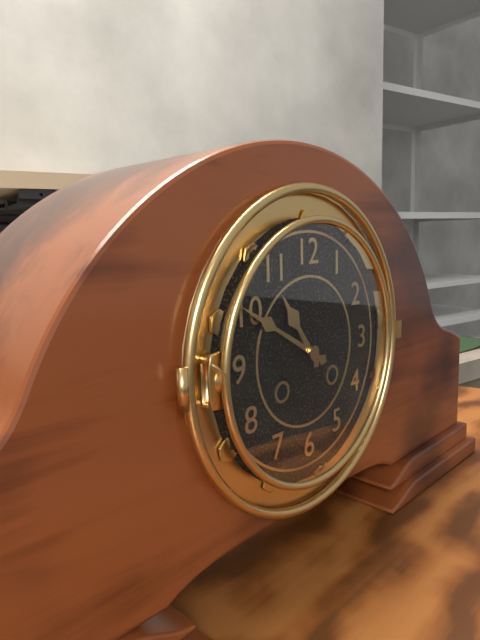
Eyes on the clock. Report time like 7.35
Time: 10.50
